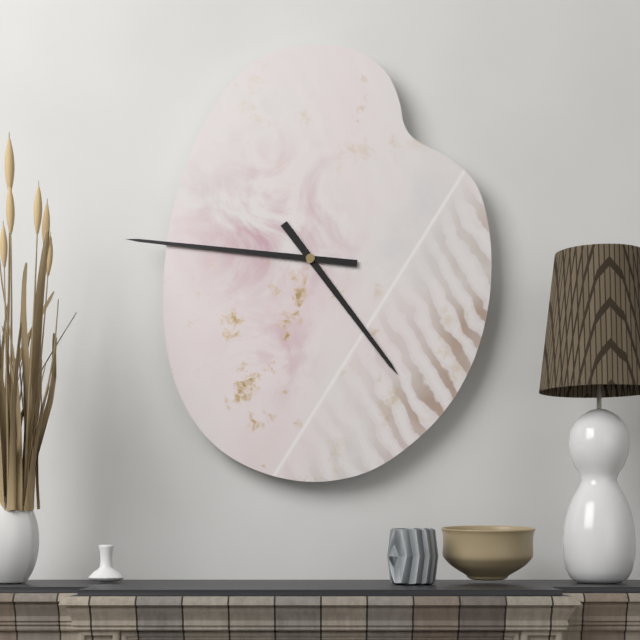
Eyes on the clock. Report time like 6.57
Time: 4.46
